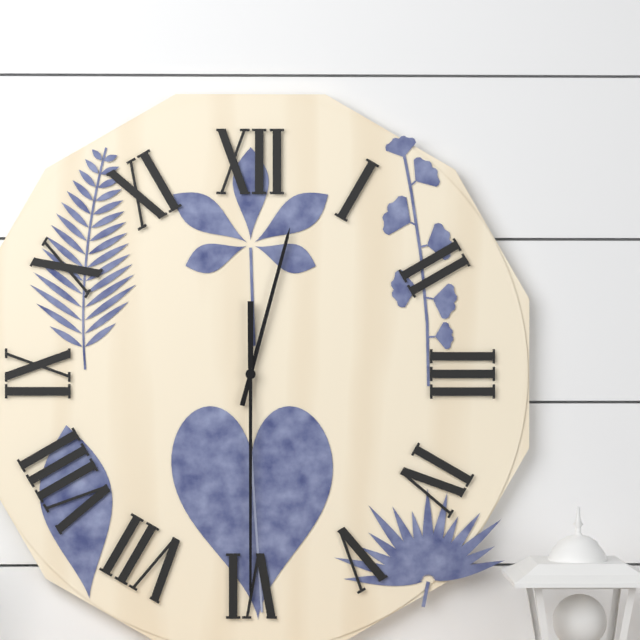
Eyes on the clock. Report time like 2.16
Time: 12.30
